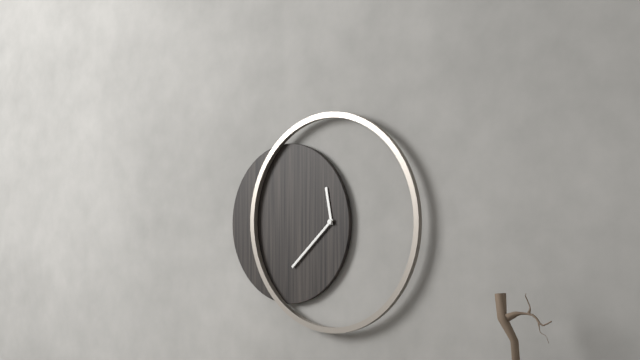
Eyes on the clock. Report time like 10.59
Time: 11.38
